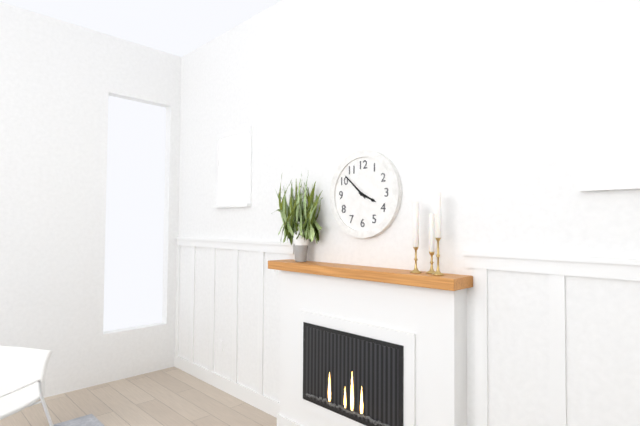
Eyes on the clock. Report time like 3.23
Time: 3.52
